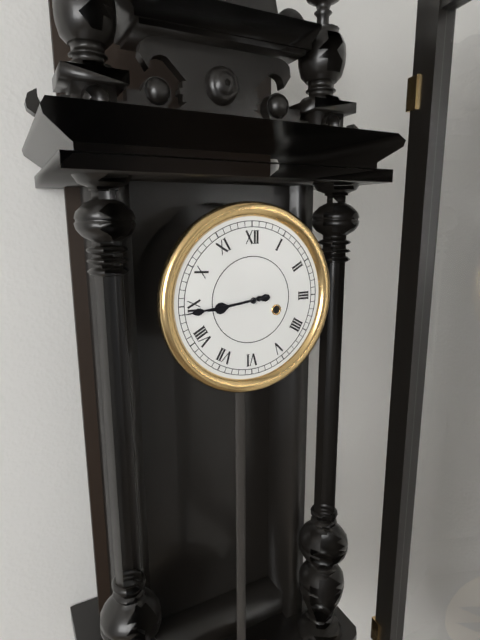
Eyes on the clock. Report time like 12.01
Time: 8.44
